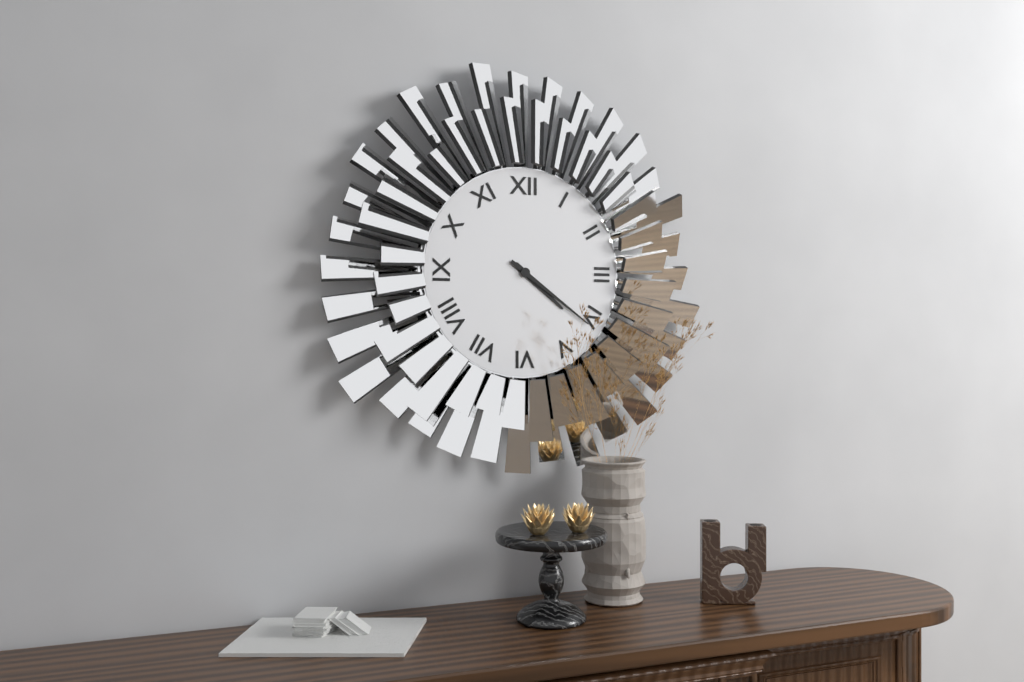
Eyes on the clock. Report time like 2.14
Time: 4.21
